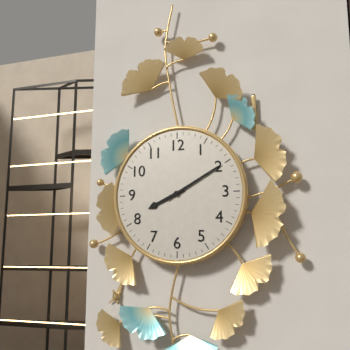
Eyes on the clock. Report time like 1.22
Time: 8.10
